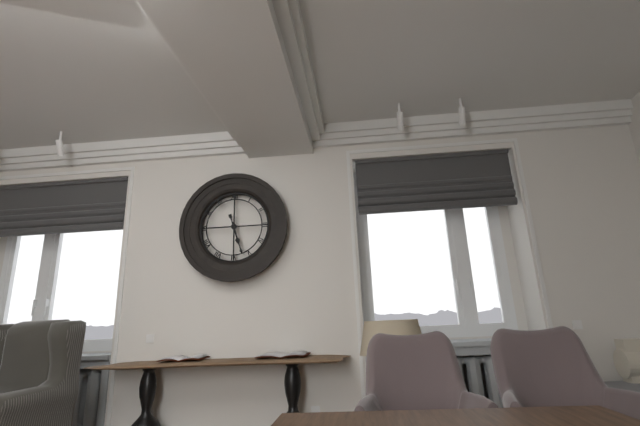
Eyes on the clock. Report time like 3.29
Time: 5.27
